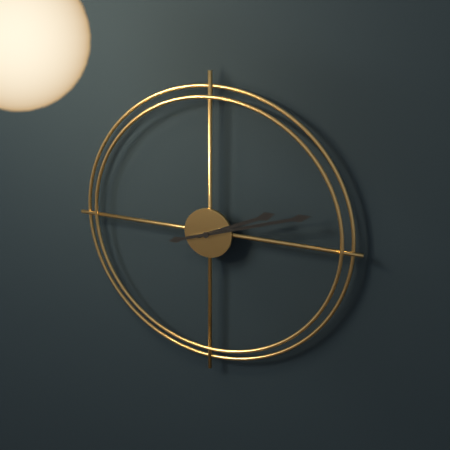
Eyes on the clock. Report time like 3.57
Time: 2.12
